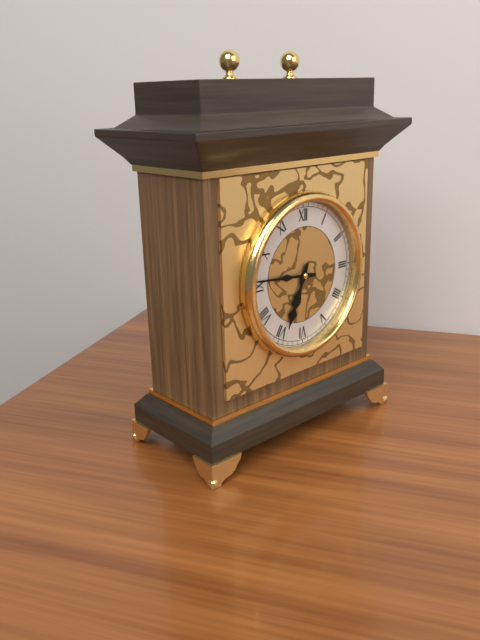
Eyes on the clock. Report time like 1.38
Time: 6.46
